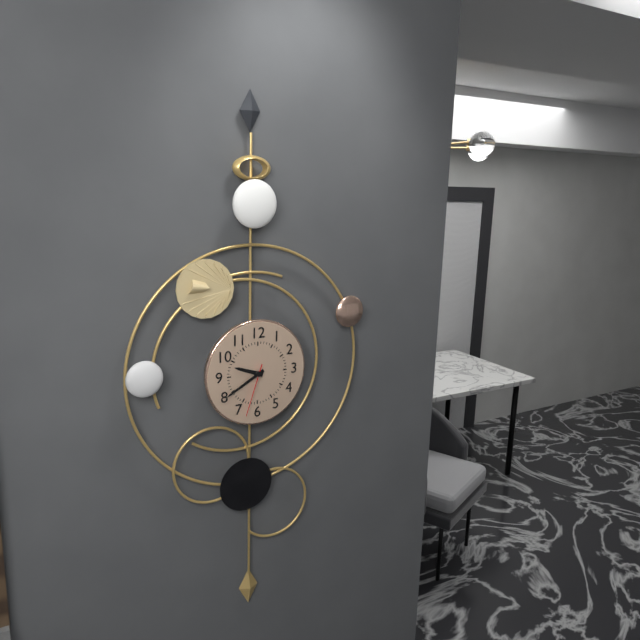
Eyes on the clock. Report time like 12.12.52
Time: 9.40.33
